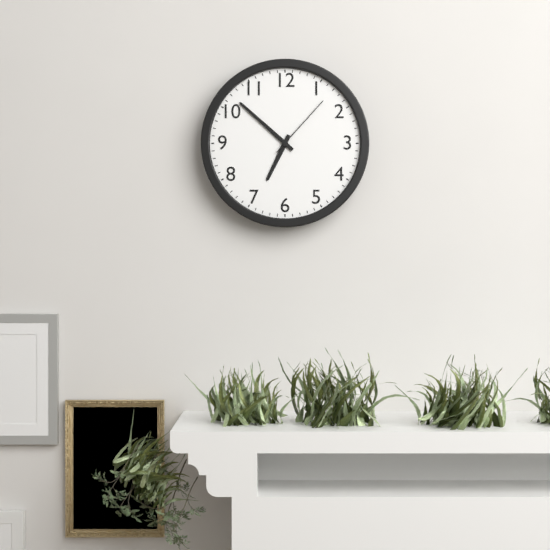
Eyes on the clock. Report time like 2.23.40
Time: 6.52.07
